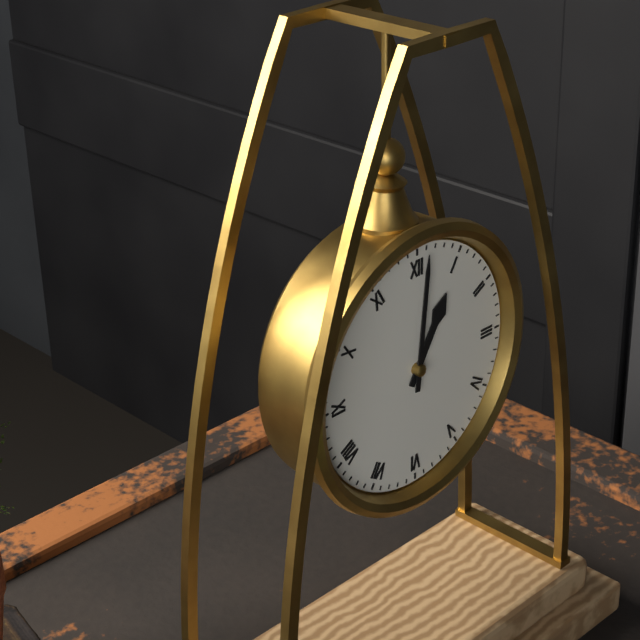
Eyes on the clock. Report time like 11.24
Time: 1.01
